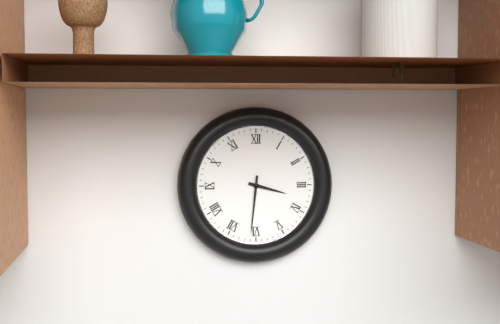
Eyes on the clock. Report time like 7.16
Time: 3.31
